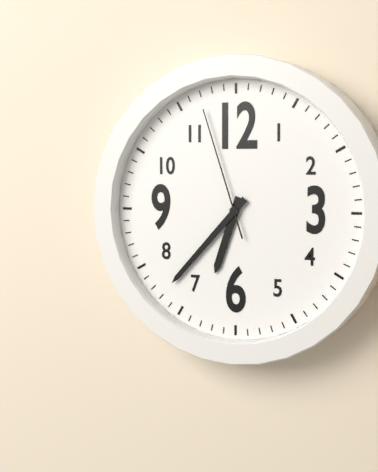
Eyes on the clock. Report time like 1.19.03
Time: 6.37.57
